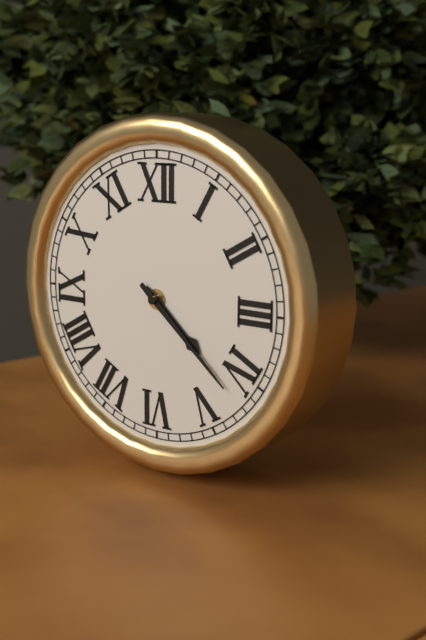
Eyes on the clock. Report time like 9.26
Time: 4.22
